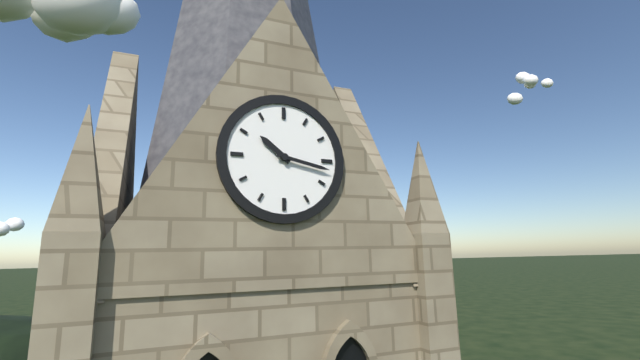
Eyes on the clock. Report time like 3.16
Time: 10.17
